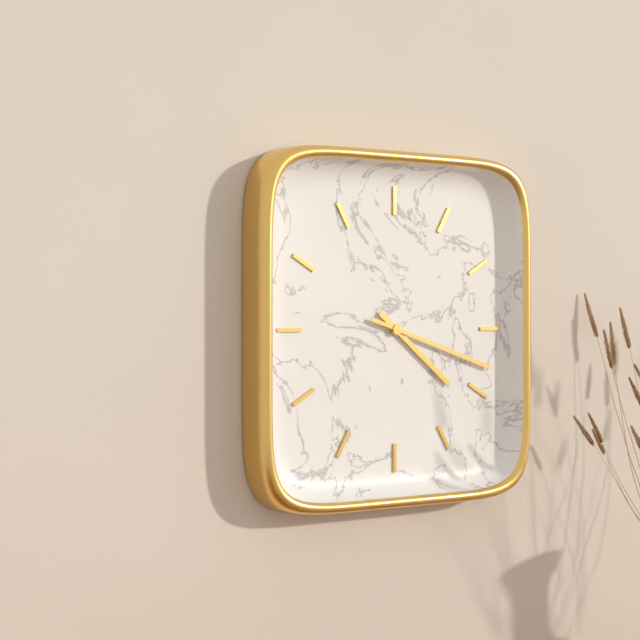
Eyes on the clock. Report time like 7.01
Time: 4.18
